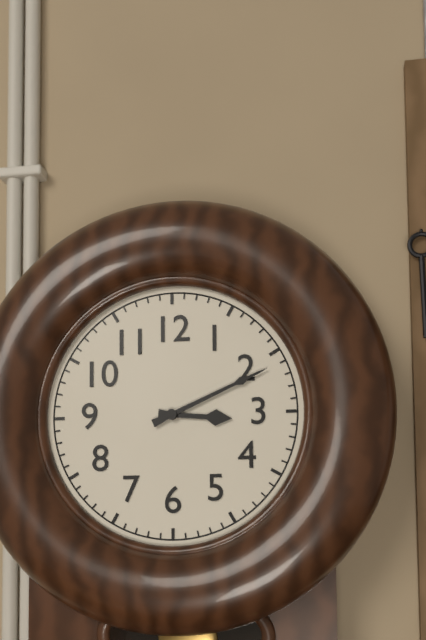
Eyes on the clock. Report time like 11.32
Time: 3.11
